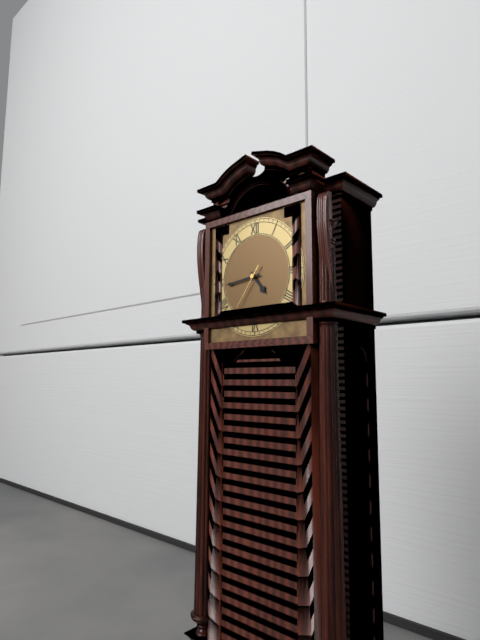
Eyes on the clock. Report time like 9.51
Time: 4.44
